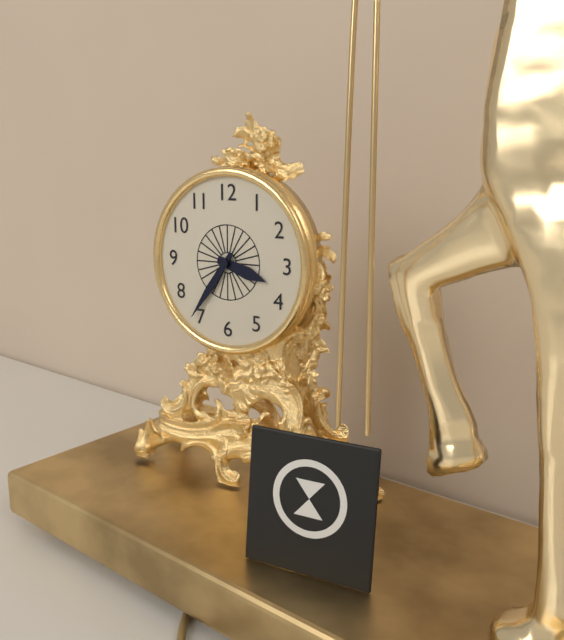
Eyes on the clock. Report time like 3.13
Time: 3.36
